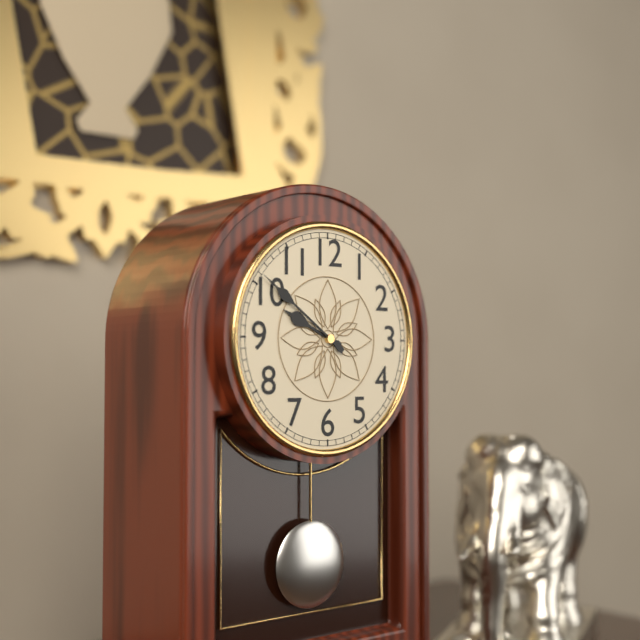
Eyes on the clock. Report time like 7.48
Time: 9.51
